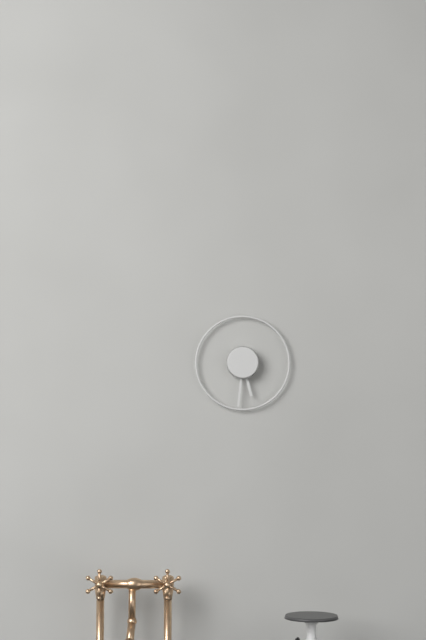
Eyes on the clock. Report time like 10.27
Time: 5.31
